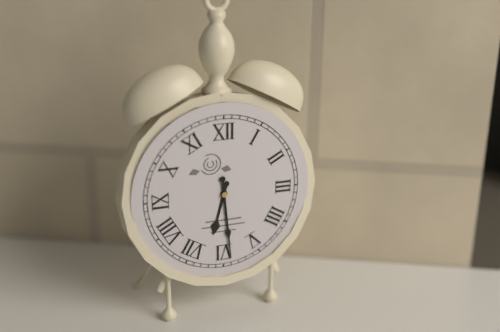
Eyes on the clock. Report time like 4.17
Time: 6.29
